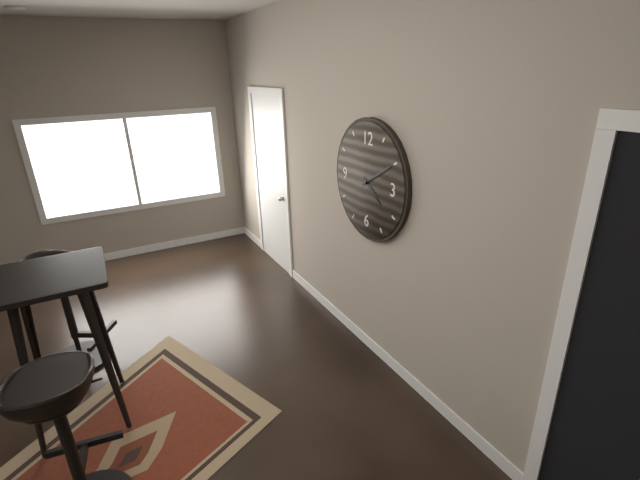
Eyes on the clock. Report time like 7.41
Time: 4.10
